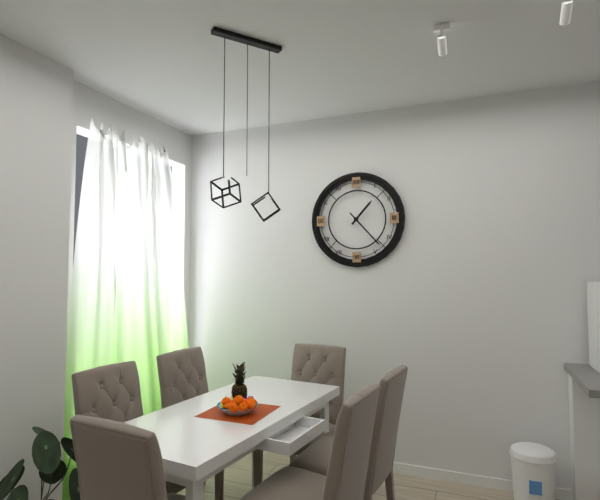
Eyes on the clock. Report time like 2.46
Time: 1.23
